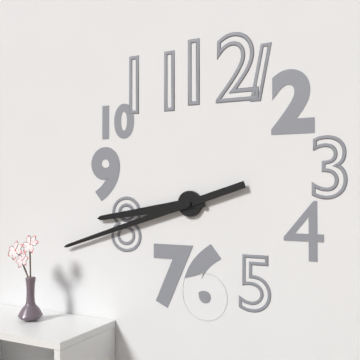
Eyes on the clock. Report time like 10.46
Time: 8.42
